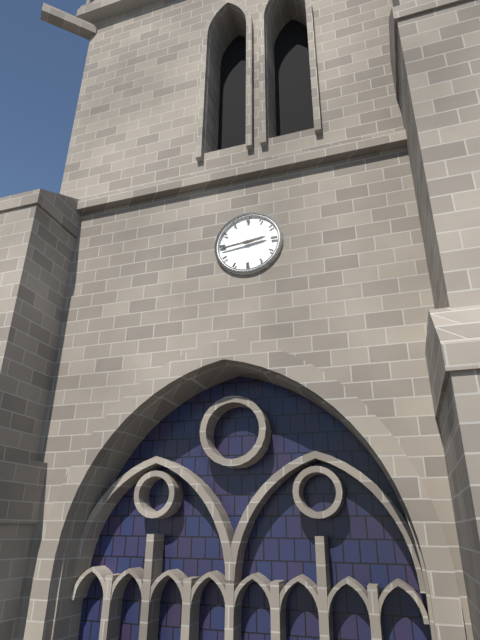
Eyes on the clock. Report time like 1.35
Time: 2.44
